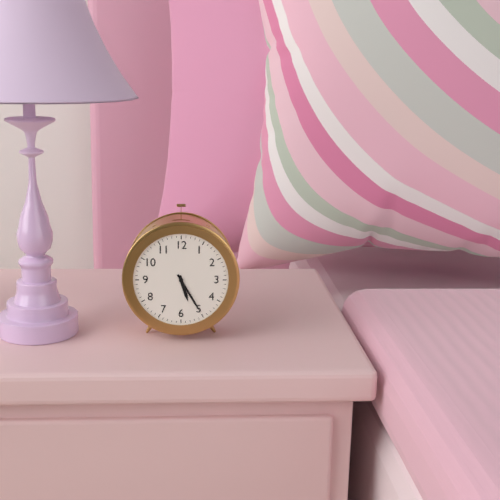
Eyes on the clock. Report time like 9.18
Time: 5.25
